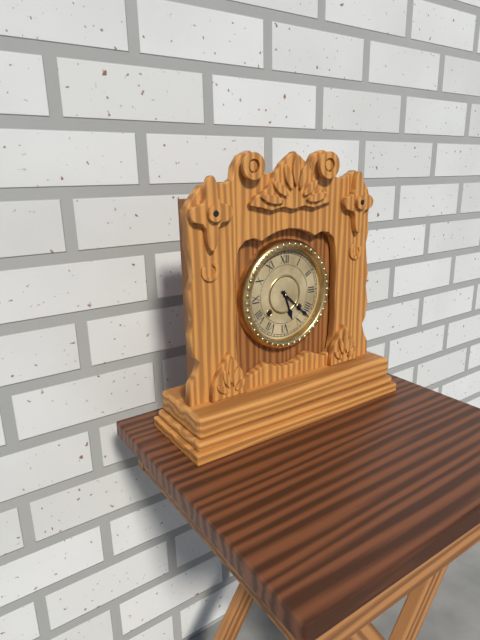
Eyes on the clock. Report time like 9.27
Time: 5.22
